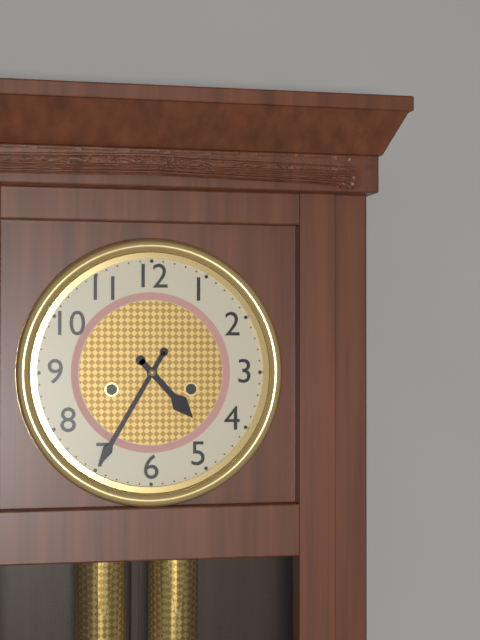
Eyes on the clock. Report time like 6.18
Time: 4.35
